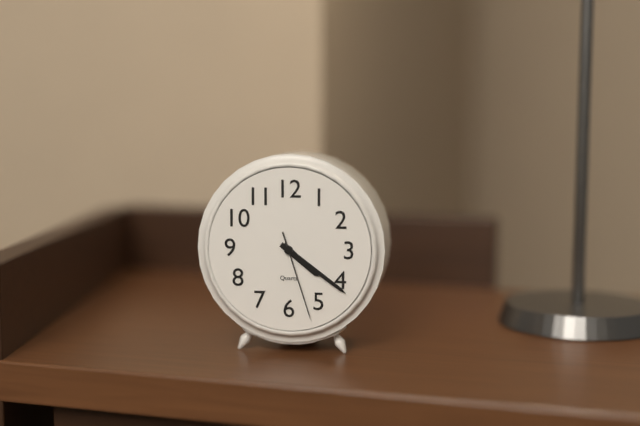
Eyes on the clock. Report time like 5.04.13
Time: 4.21.27
